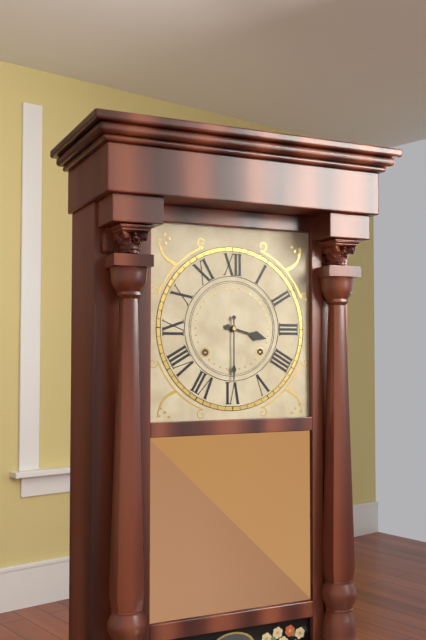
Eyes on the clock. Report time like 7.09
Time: 3.30
